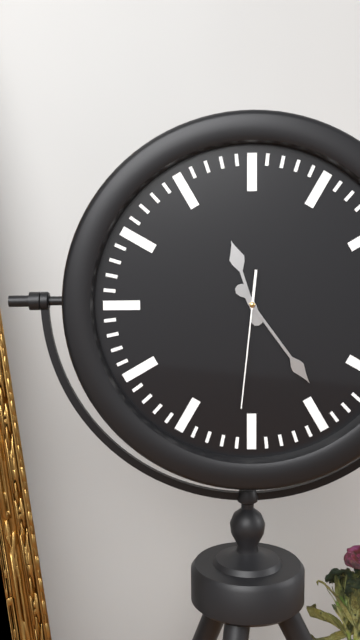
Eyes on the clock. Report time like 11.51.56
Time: 11.24.31
